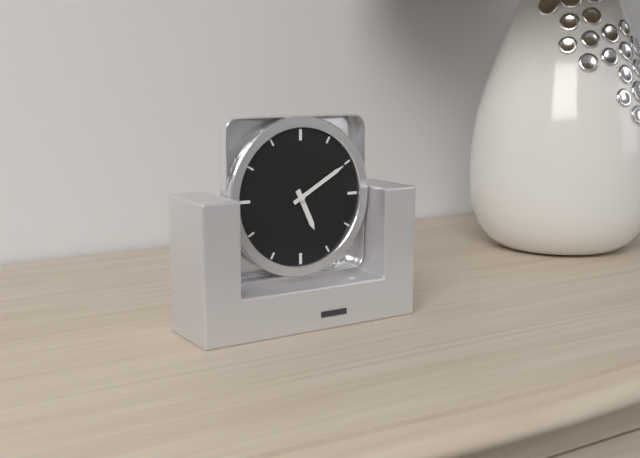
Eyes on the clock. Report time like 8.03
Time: 5.10
